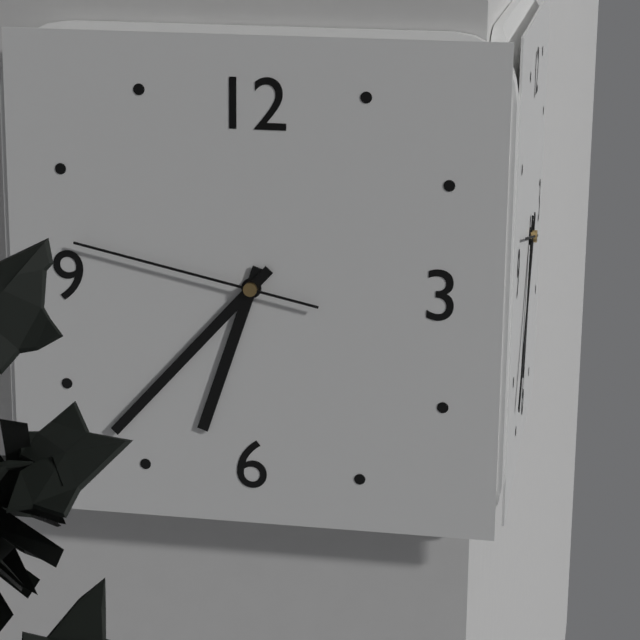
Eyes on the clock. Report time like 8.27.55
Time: 6.37.47
